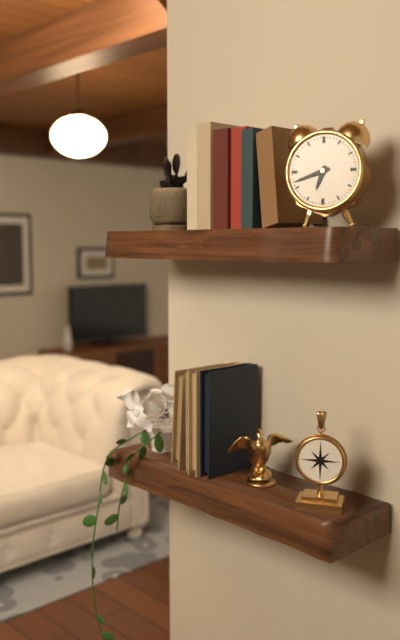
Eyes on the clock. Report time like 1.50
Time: 6.42
